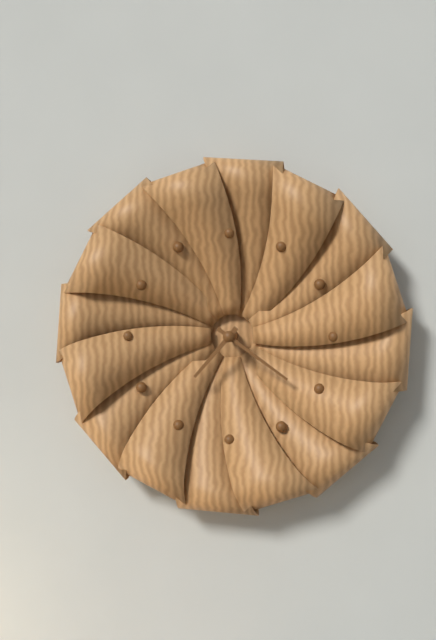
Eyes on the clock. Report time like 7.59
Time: 7.21
